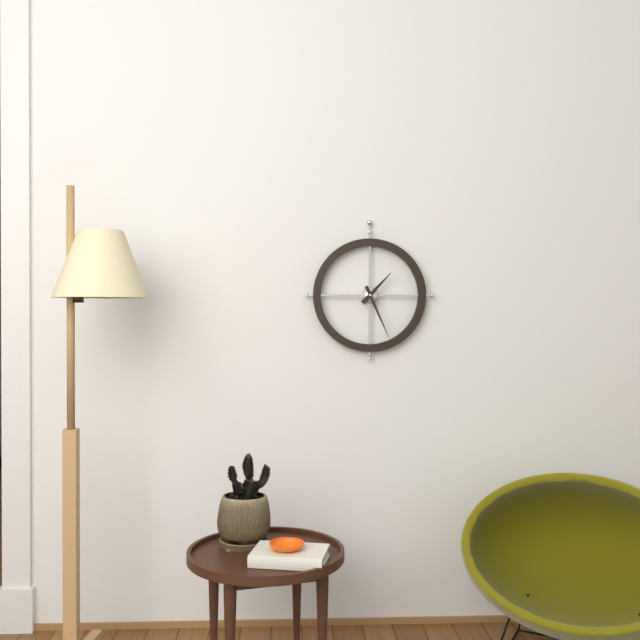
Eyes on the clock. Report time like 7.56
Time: 1.26
